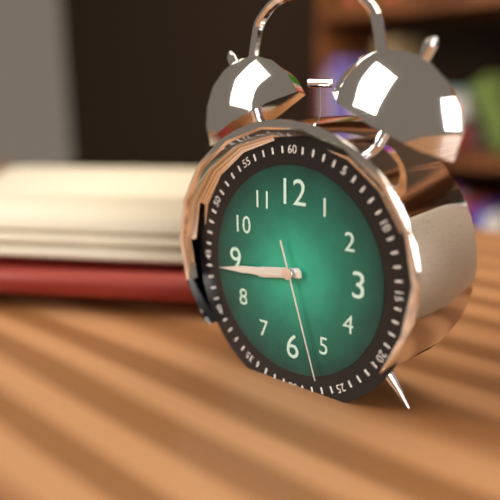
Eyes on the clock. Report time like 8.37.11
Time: 8.44.27
